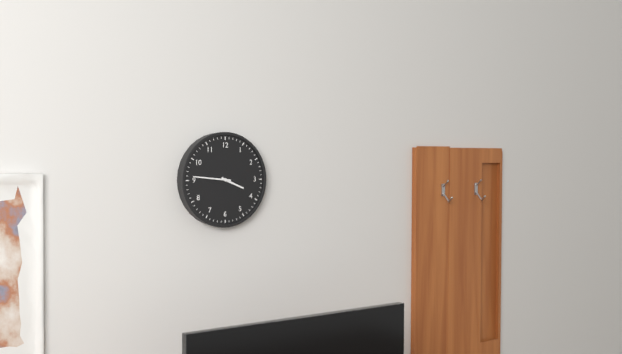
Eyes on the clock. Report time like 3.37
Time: 3.46
